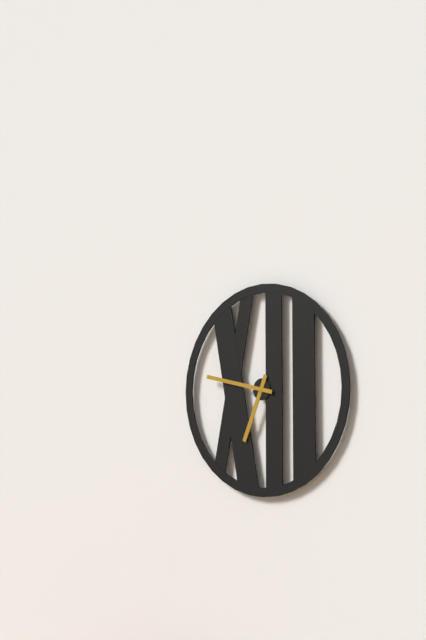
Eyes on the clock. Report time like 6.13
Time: 6.47
